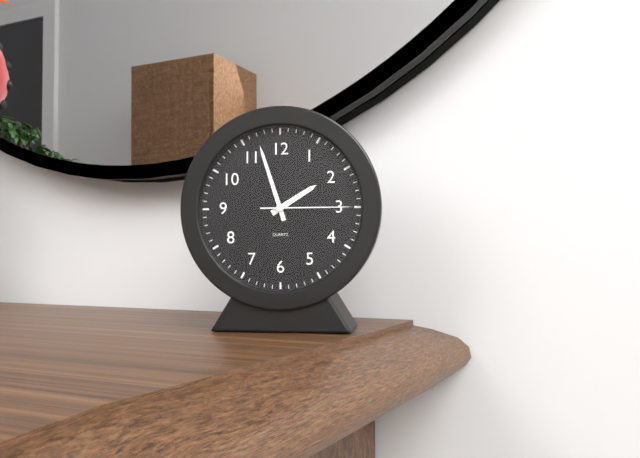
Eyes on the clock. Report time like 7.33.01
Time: 1.57.15
